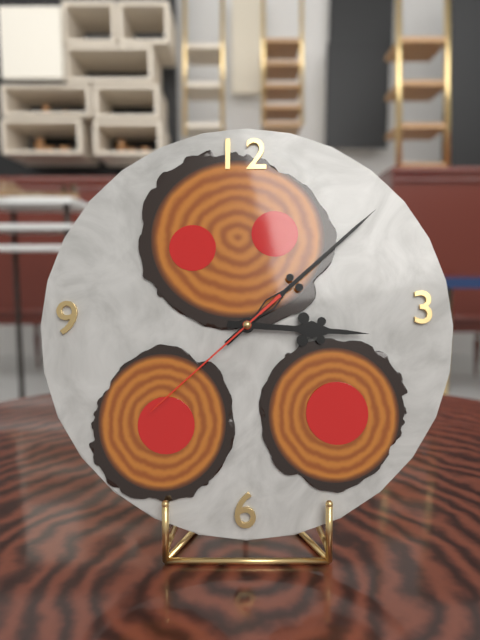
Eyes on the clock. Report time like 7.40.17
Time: 3.08.38
